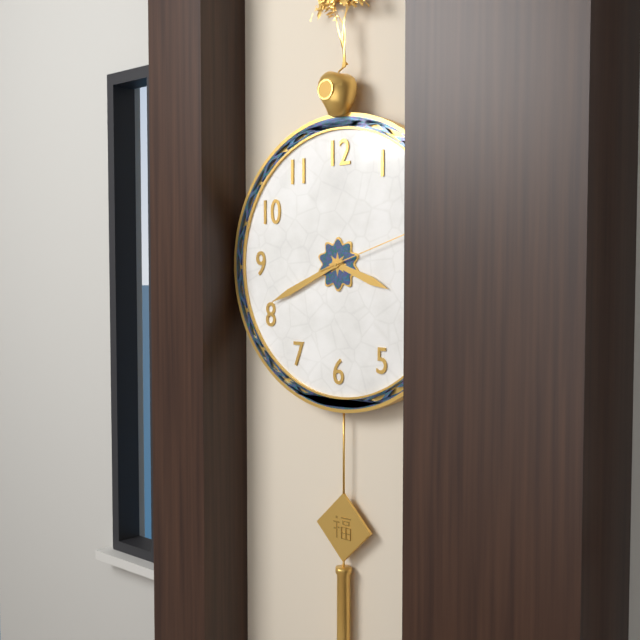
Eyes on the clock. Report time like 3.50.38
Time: 3.41.12
